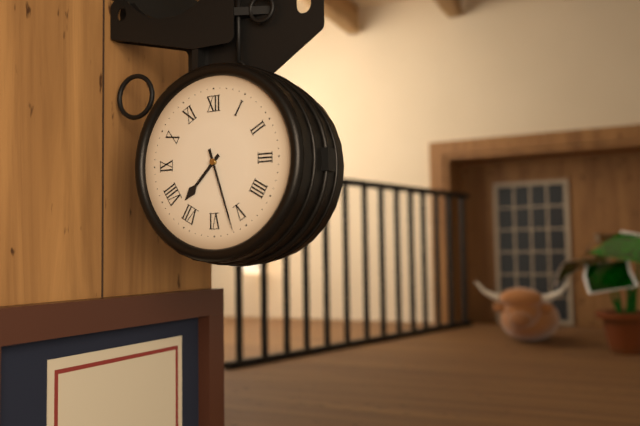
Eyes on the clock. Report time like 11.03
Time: 7.27
